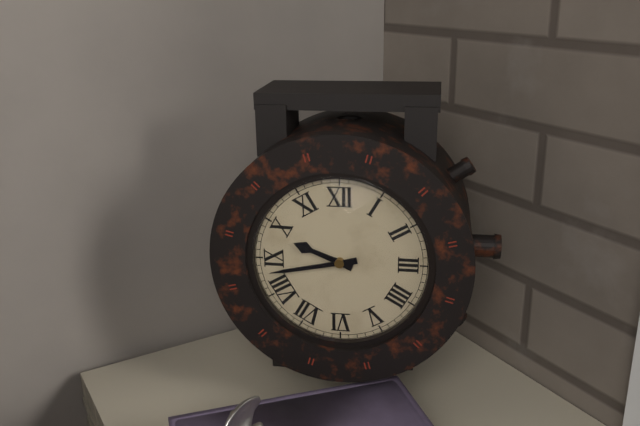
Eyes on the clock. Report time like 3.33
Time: 9.43
